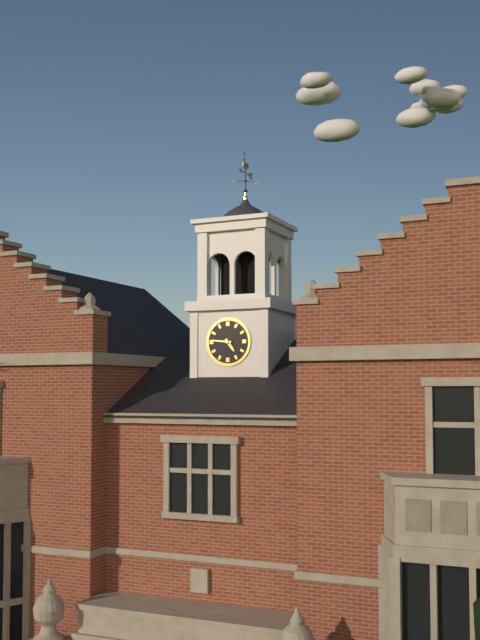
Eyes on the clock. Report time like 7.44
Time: 4.46
